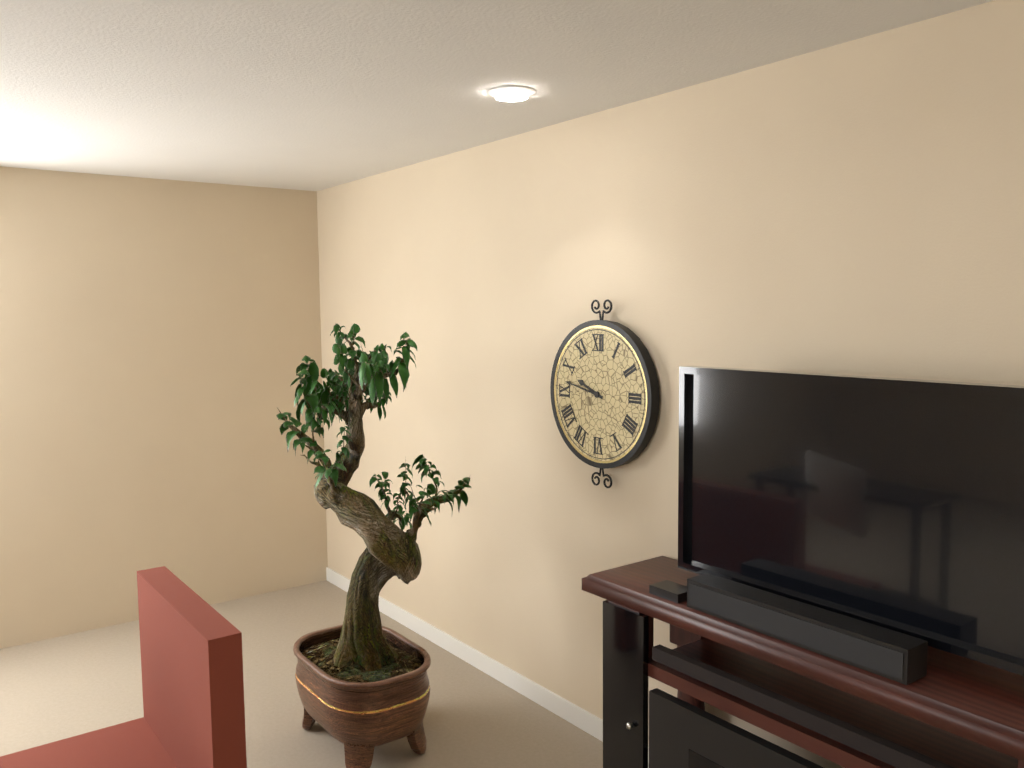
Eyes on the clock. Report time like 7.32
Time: 9.47
